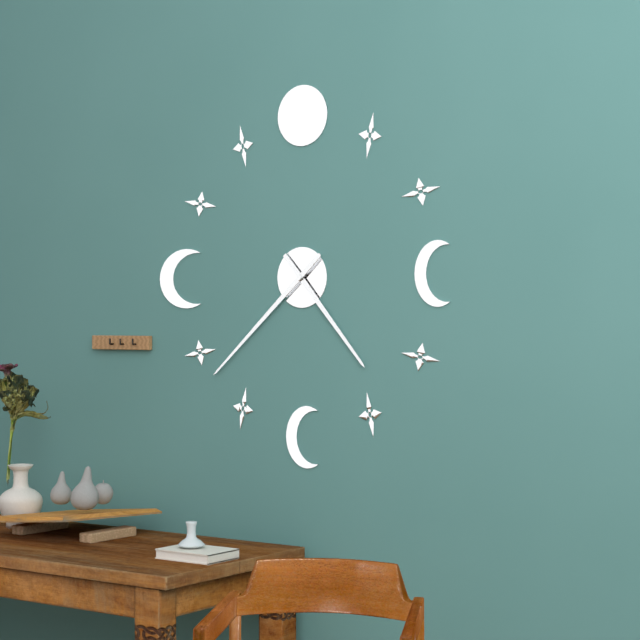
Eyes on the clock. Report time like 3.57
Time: 4.38
